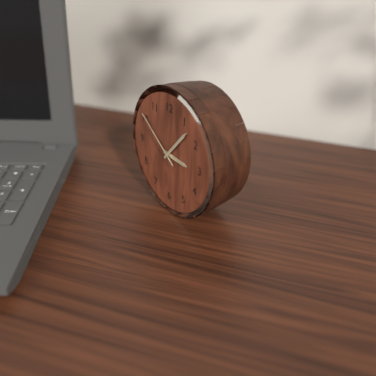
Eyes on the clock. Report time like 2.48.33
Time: 3.07.51
